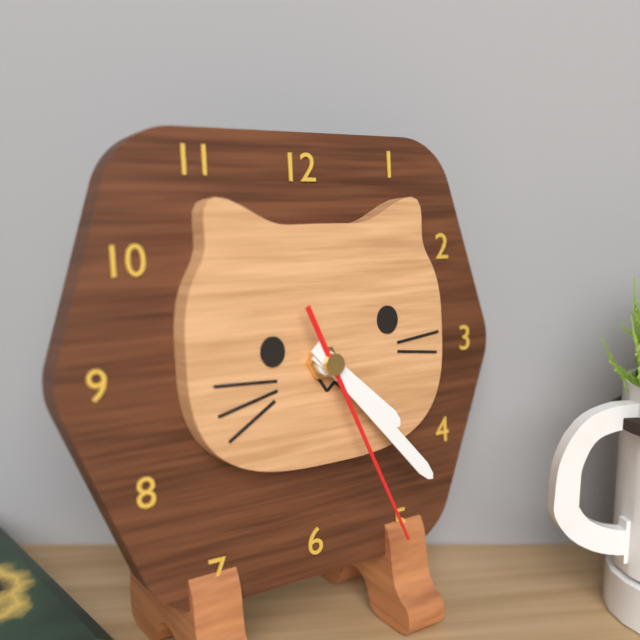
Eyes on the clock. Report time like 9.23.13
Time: 4.23.26
